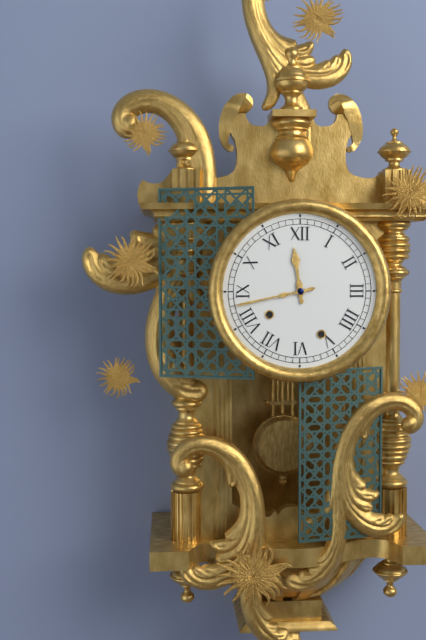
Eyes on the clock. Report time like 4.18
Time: 11.43
